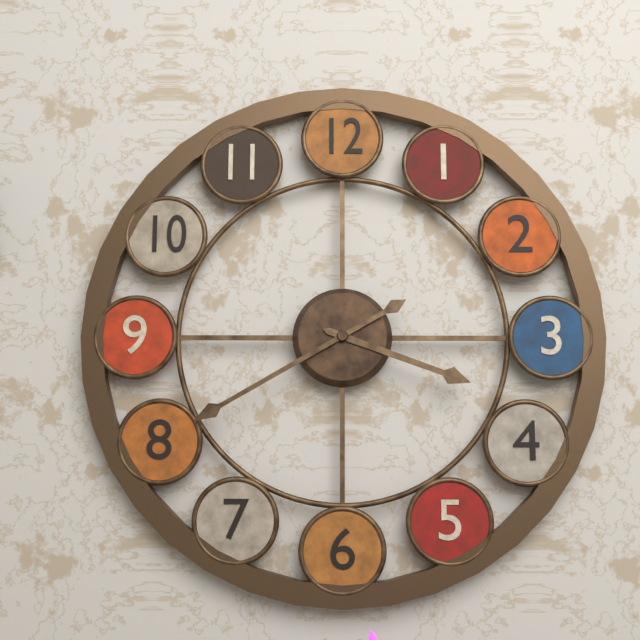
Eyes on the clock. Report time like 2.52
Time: 3.40
